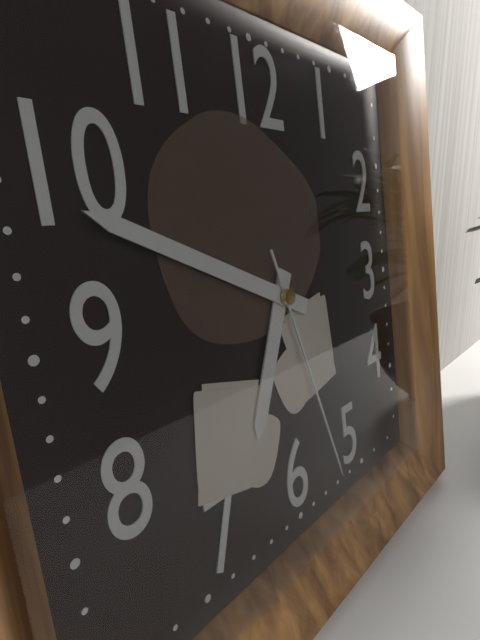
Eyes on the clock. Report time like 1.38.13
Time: 6.49.27
